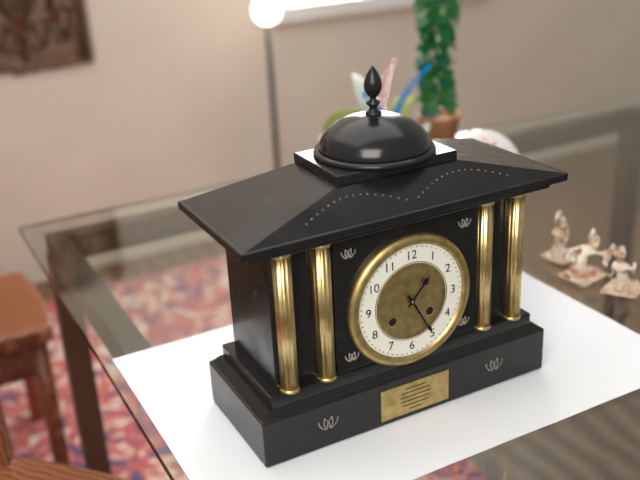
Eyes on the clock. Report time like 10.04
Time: 1.25
